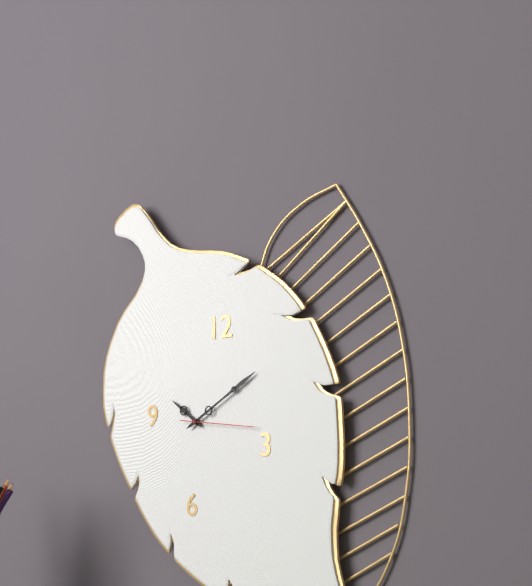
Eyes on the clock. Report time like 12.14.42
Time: 10.10.16
